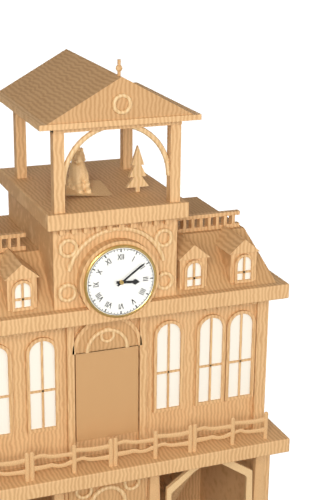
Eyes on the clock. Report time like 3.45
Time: 3.09
